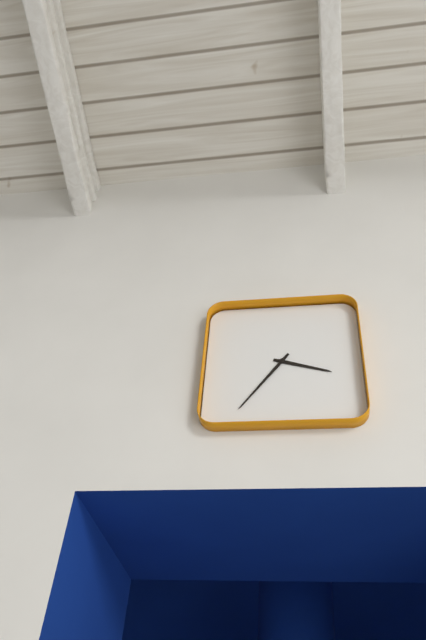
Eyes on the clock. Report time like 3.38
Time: 3.36
